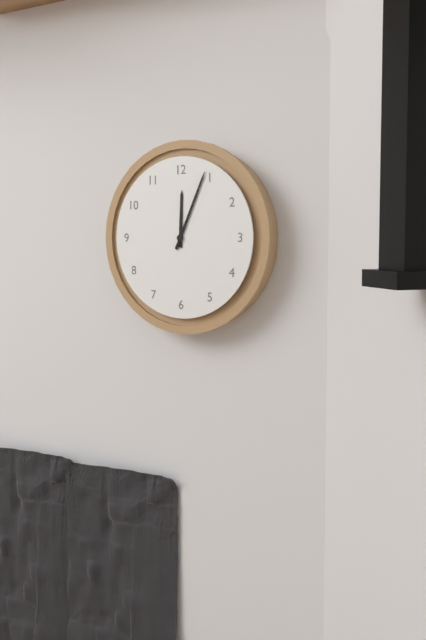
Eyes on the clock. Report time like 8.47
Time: 12.04
